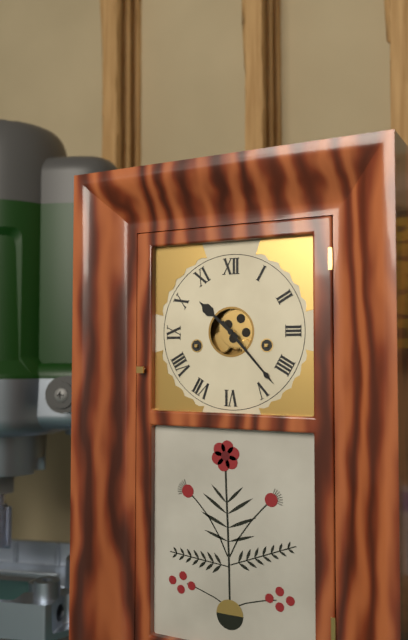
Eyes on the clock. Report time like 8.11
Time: 10.23
